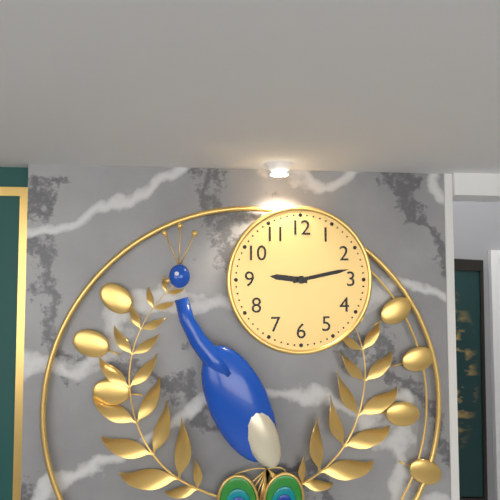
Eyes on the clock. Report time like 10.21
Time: 9.13
